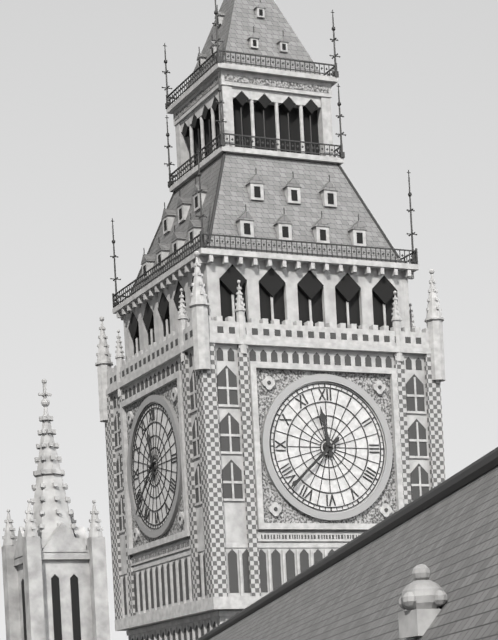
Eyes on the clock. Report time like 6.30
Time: 11.38
